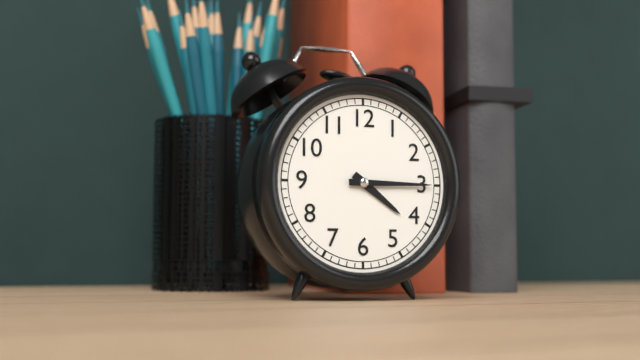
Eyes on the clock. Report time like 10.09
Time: 4.15
